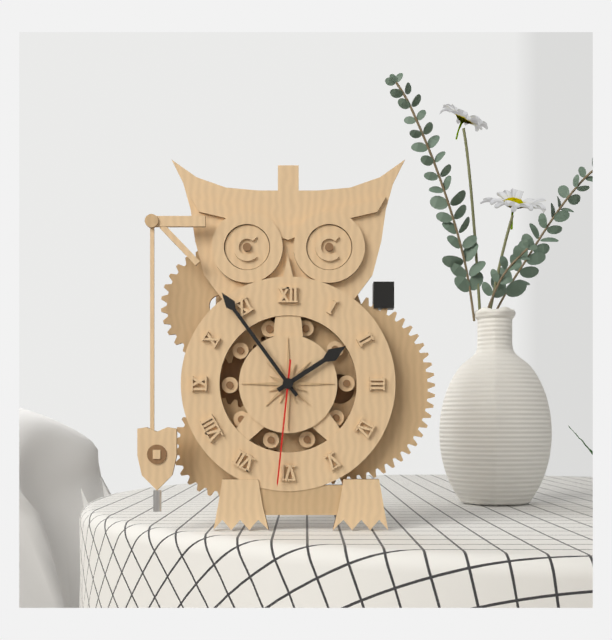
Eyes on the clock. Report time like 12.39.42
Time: 1.54.31
